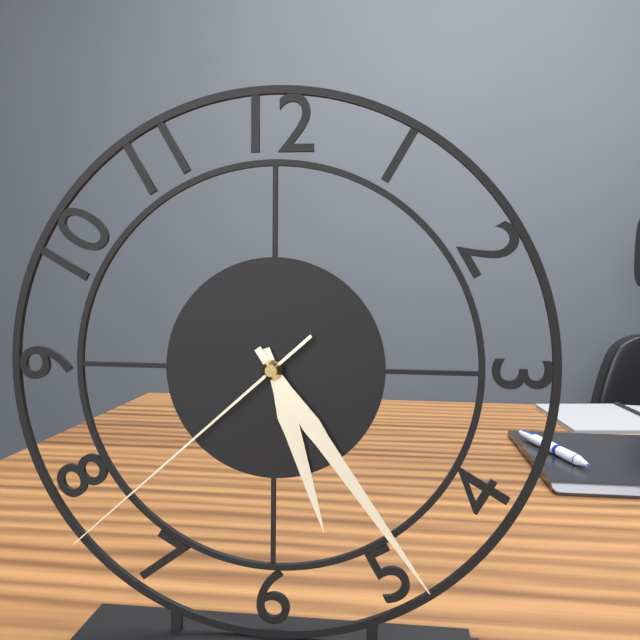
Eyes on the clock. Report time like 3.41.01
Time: 5.24.38
